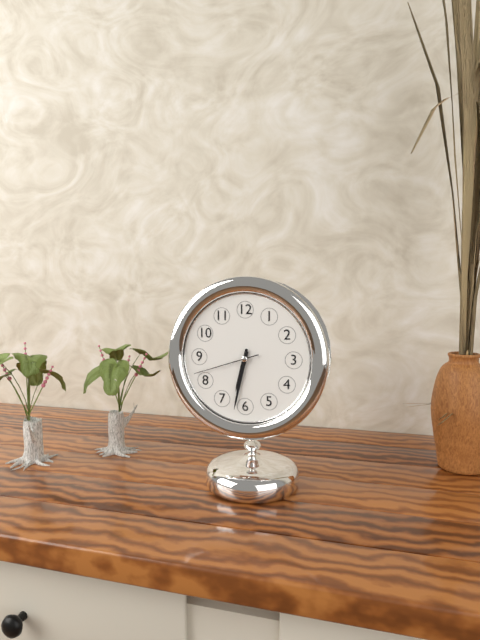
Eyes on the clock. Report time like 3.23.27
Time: 6.32.42
